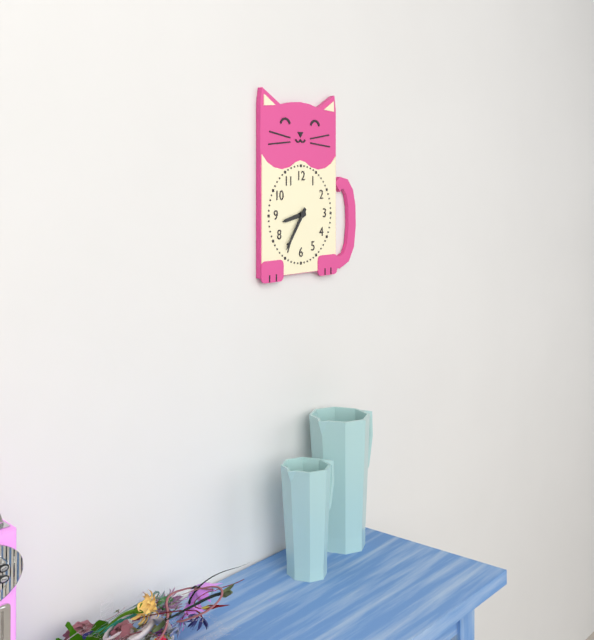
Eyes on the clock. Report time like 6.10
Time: 8.36
